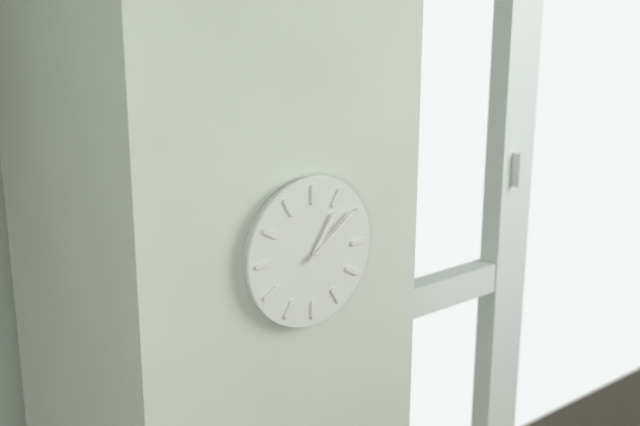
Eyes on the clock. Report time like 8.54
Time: 1.09
